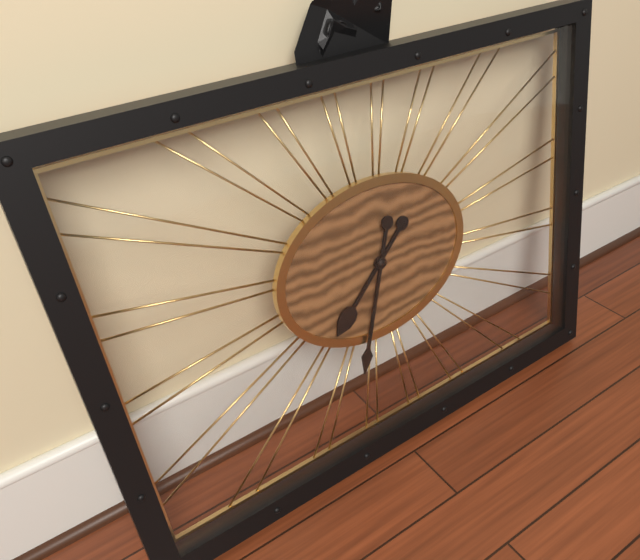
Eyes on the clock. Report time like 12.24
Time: 7.33
